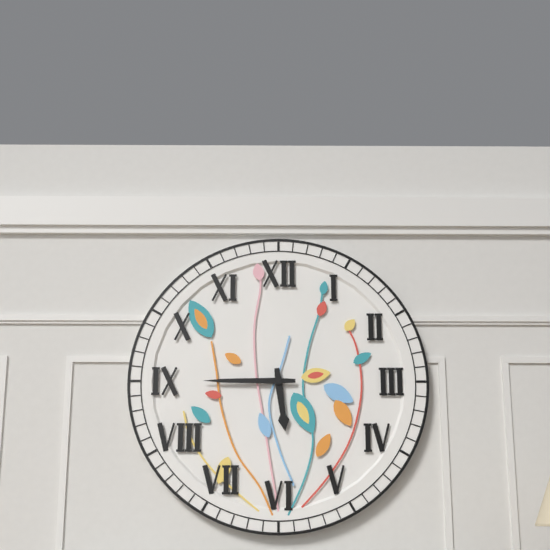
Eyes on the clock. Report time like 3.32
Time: 5.45
